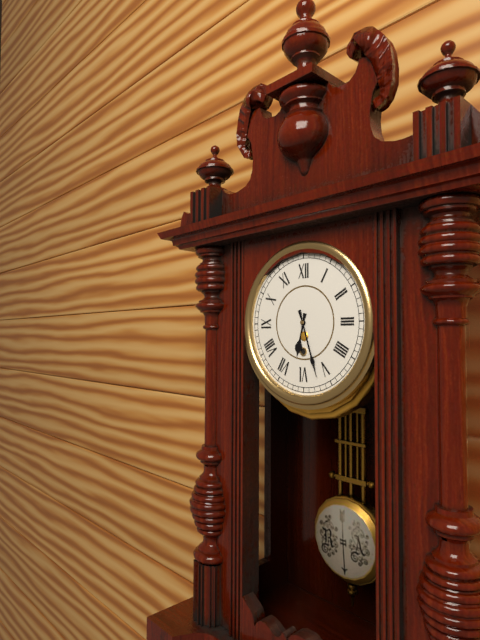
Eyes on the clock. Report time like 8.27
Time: 6.27
